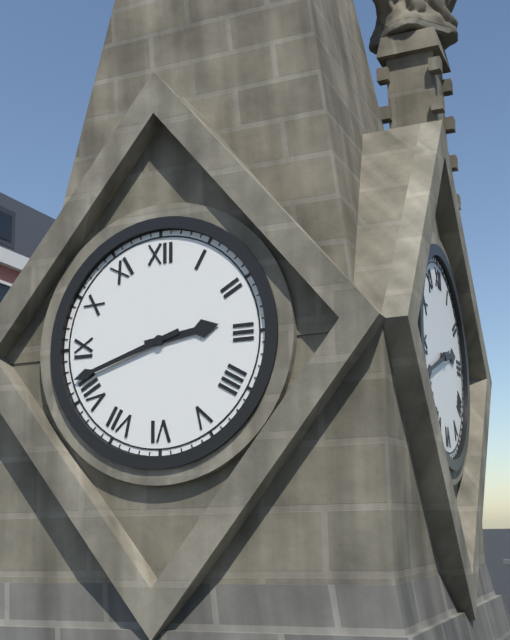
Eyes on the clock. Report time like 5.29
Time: 2.42
